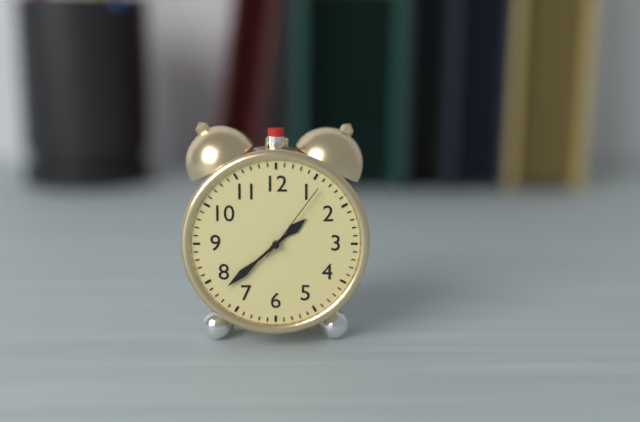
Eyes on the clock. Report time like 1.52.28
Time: 1.38.06
